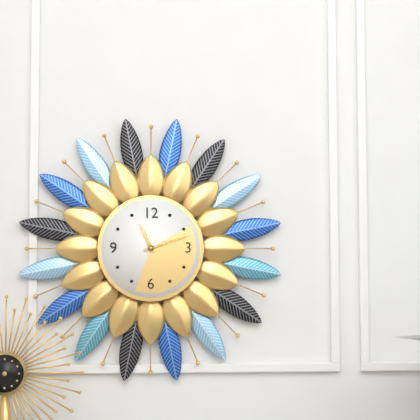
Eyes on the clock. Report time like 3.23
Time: 11.12
